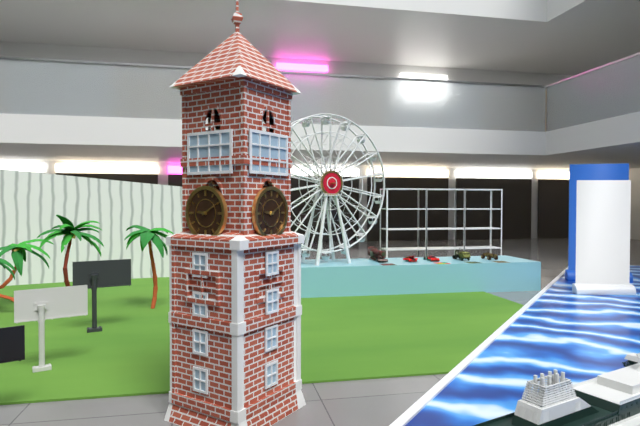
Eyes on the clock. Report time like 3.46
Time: 9.10
